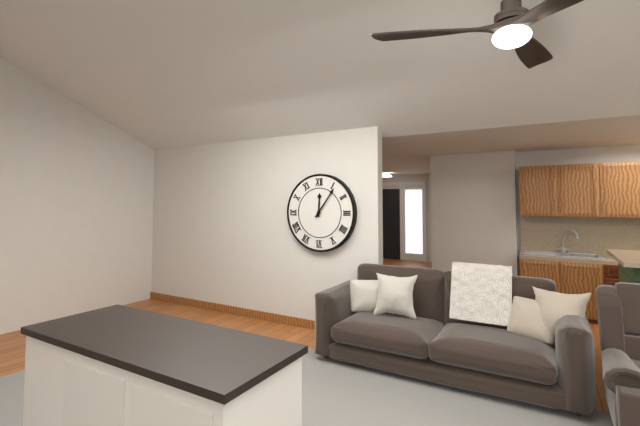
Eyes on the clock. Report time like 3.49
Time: 12.06
